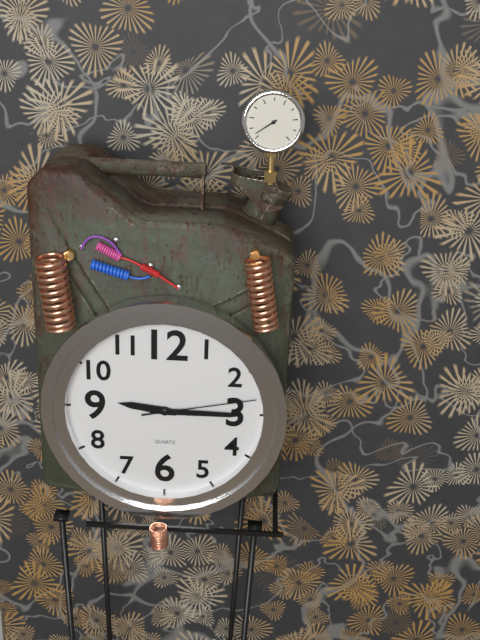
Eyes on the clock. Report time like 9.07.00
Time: 9.15.13
